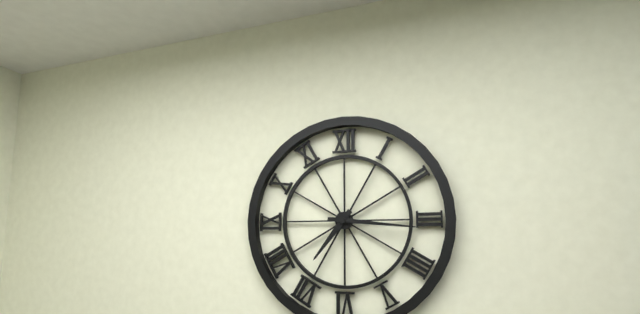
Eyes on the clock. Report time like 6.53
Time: 7.16
